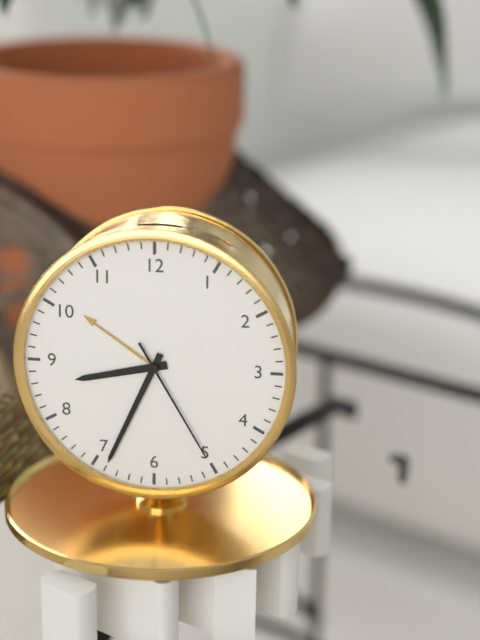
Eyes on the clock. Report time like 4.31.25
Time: 8.34.25
